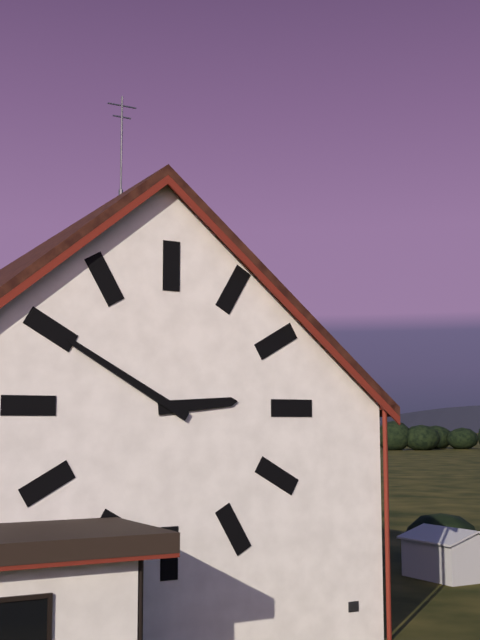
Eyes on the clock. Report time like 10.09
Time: 2.50
